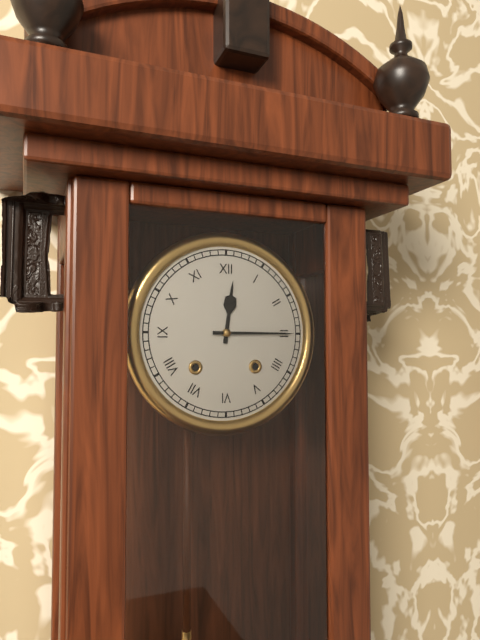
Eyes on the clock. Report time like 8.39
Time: 12.15
